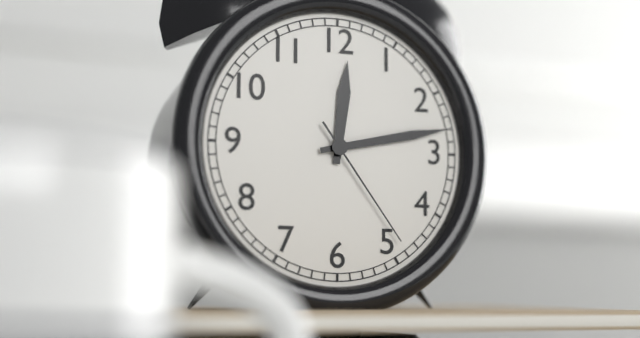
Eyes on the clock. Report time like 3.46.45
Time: 12.13.24
